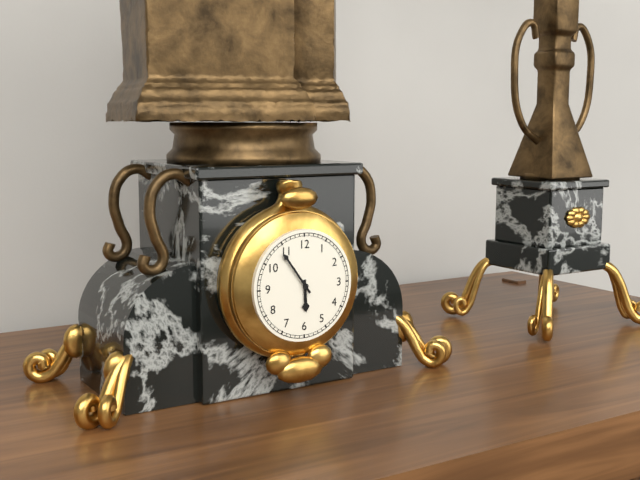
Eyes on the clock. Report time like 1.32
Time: 5.54
